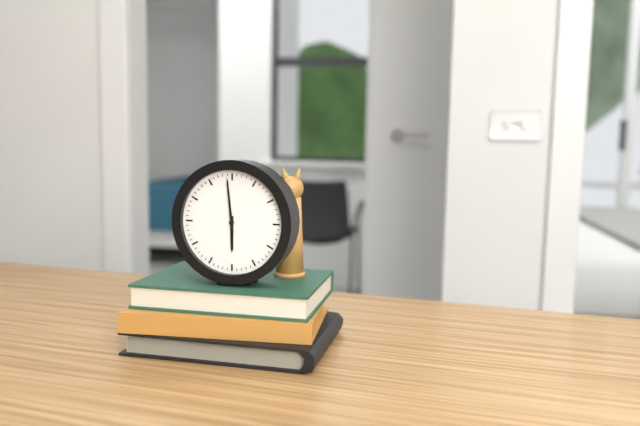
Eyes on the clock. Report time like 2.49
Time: 5.59
